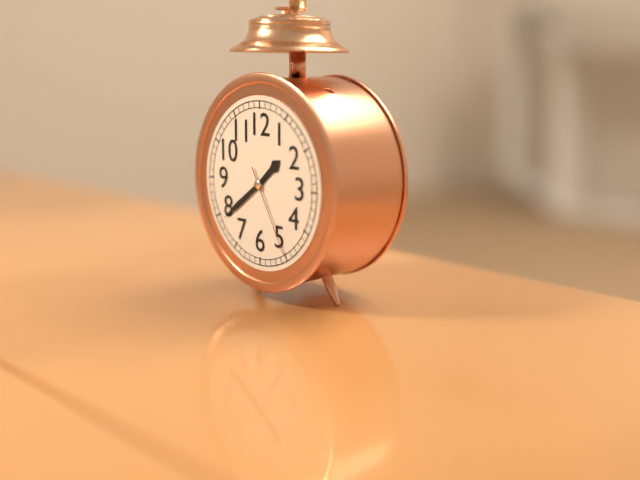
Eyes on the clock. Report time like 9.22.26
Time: 1.39.25
